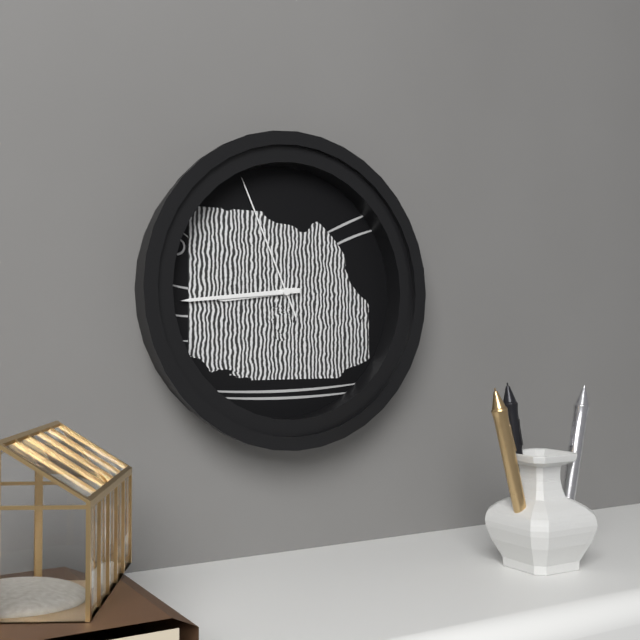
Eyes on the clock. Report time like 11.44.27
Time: 8.44.56
